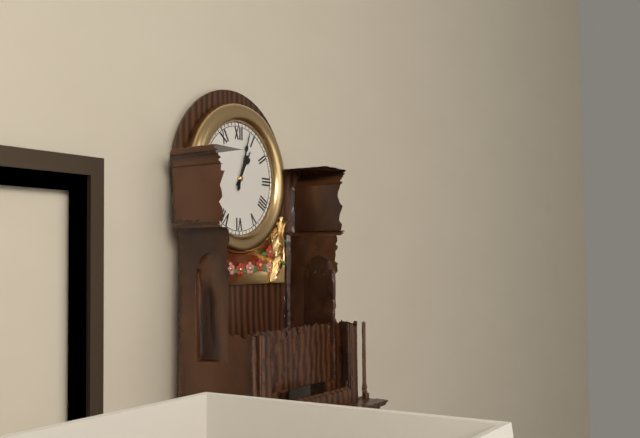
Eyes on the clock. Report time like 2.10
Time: 1.03
